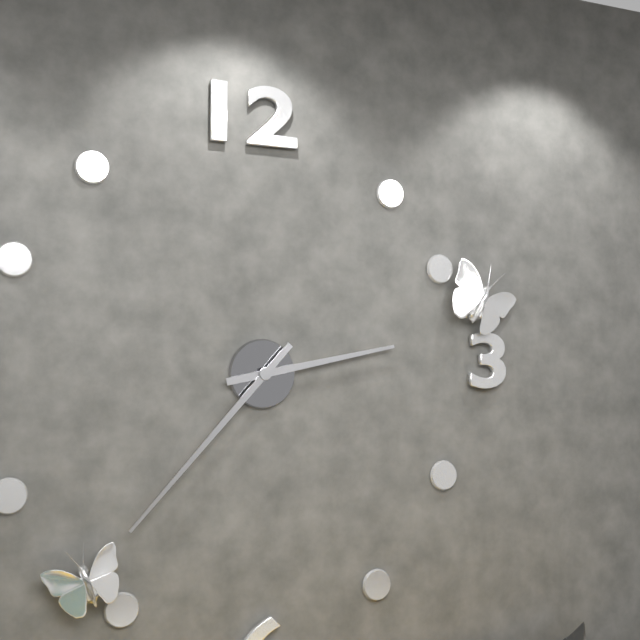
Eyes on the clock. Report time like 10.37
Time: 2.37
